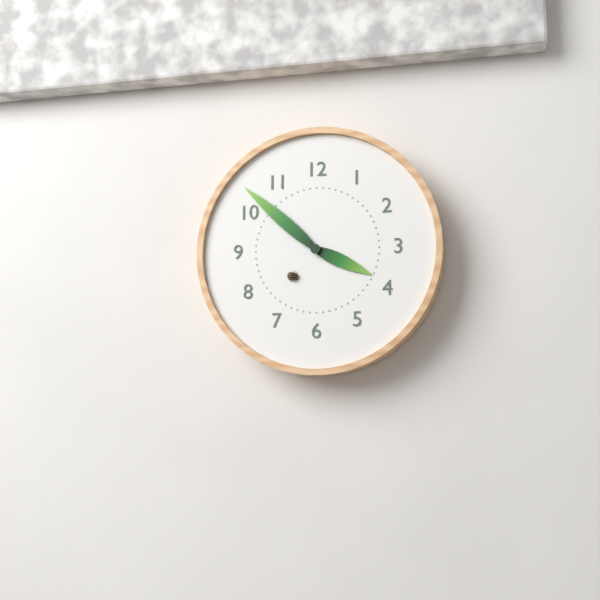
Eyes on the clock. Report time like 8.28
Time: 3.52
